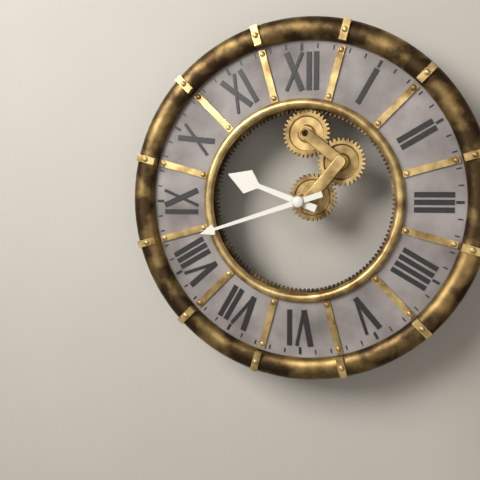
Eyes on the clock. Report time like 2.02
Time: 9.42
